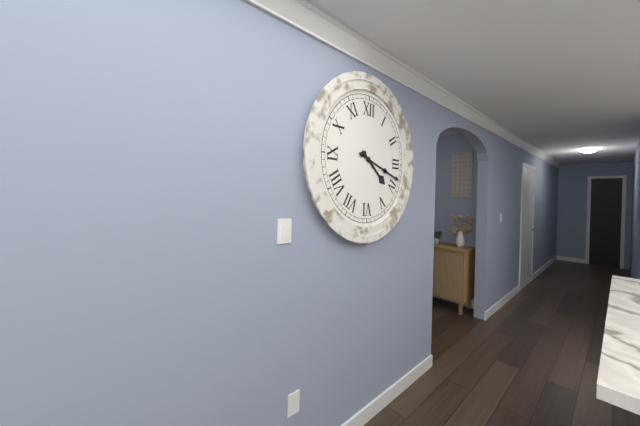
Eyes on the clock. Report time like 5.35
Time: 4.18
